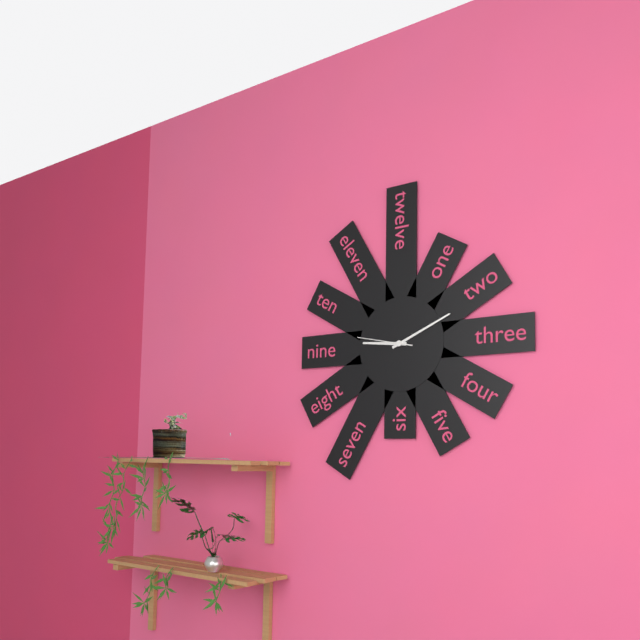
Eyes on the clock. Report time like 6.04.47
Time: 9.11.47
